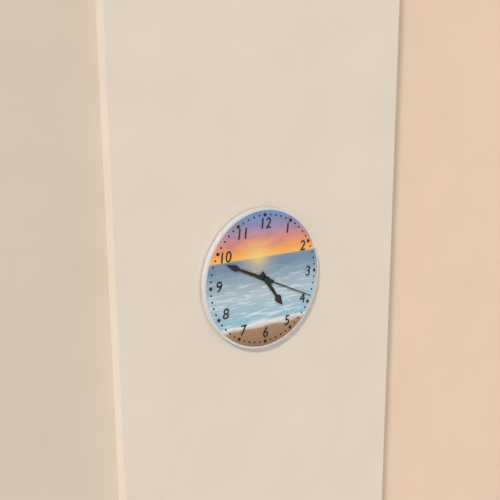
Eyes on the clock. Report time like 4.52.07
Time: 4.49.19
